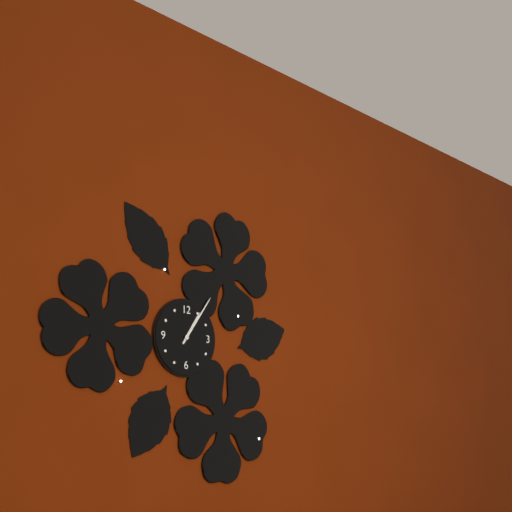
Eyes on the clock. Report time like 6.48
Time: 1.06
